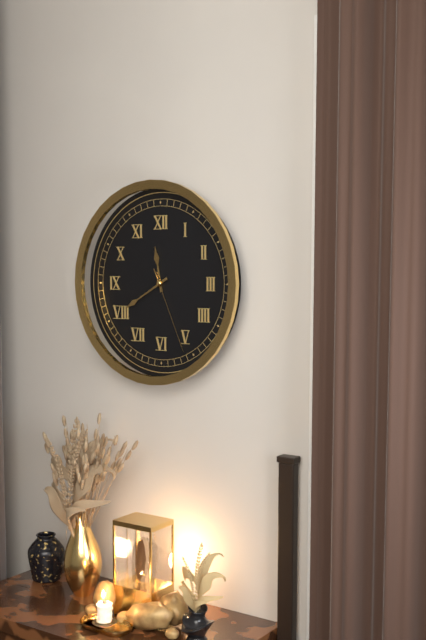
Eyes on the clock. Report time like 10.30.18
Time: 11.40.26
